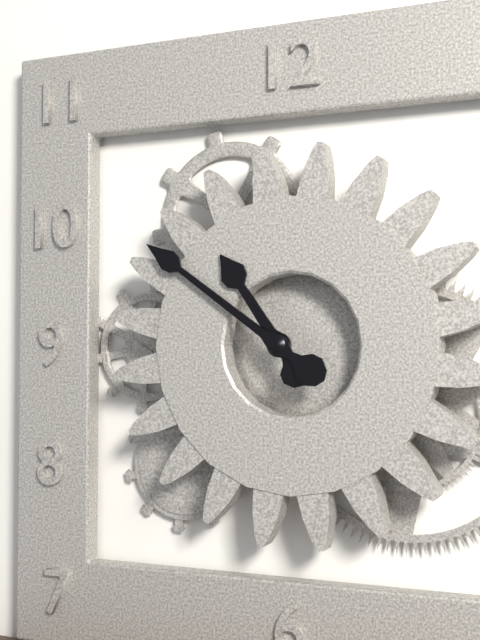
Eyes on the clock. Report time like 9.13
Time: 10.51
